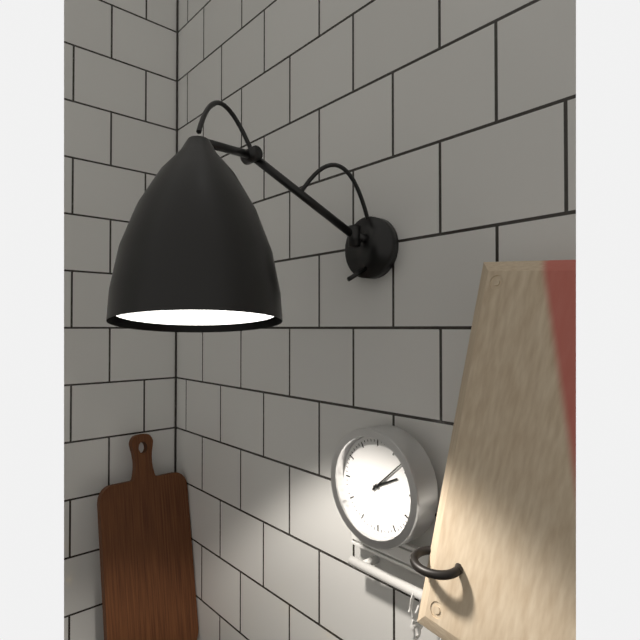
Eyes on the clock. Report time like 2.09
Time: 2.08
